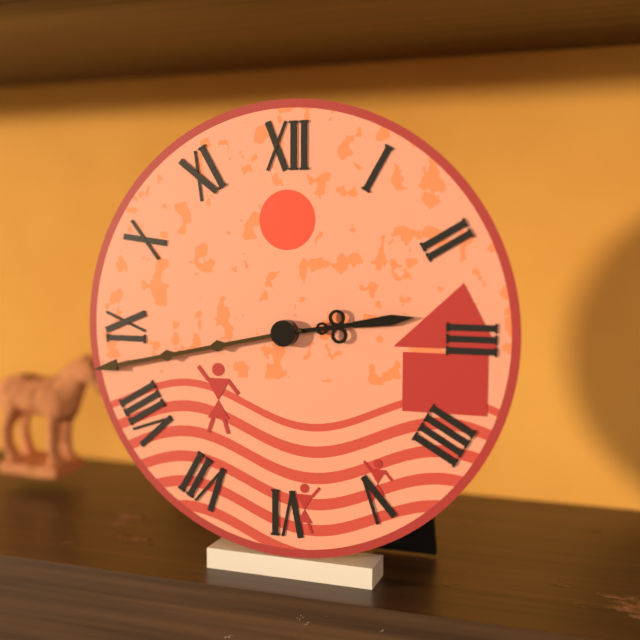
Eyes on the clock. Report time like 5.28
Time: 2.43
